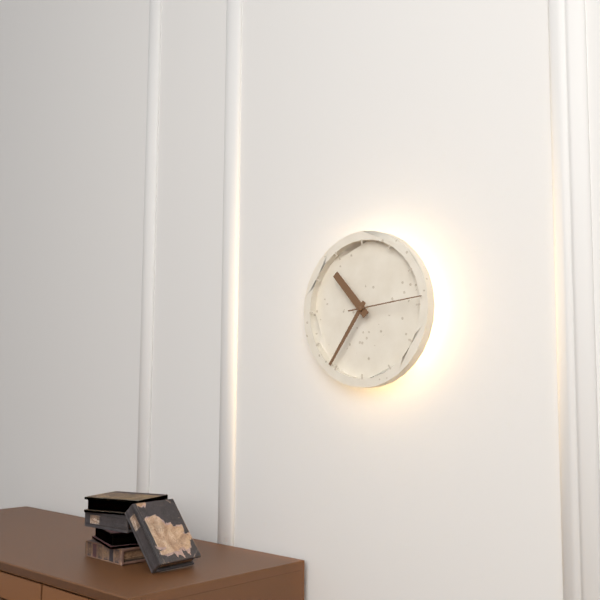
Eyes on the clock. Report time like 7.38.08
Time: 10.36.14
